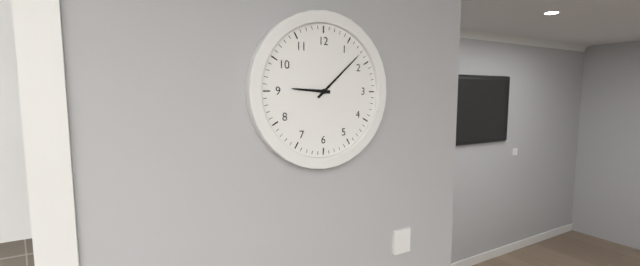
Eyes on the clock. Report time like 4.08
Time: 9.08
